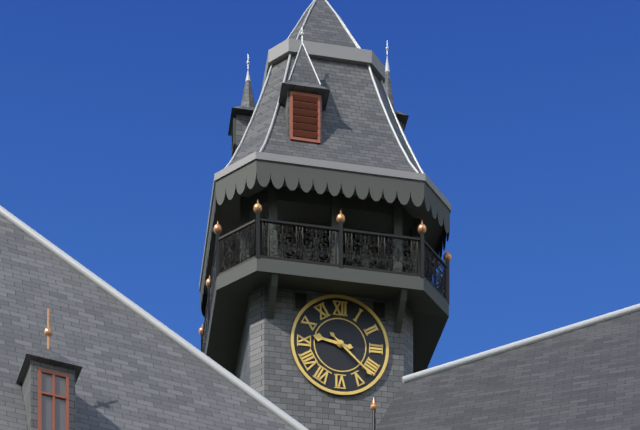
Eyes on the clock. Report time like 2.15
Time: 9.22
